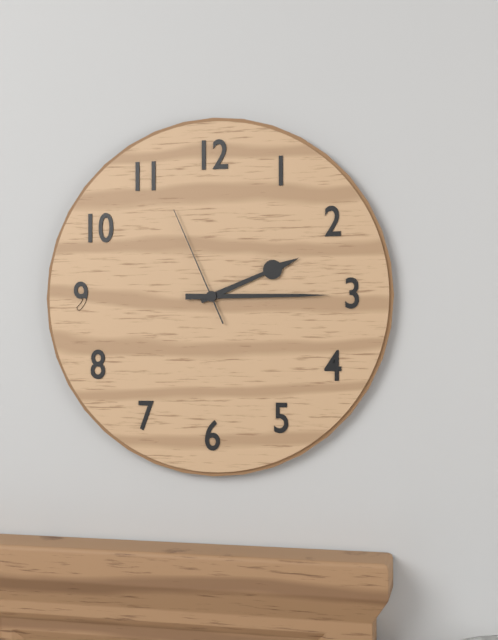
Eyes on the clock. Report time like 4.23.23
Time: 2.15.56
